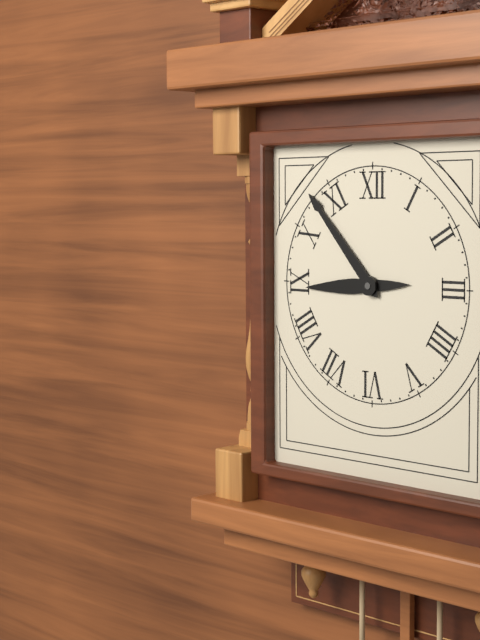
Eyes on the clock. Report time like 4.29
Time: 8.53
